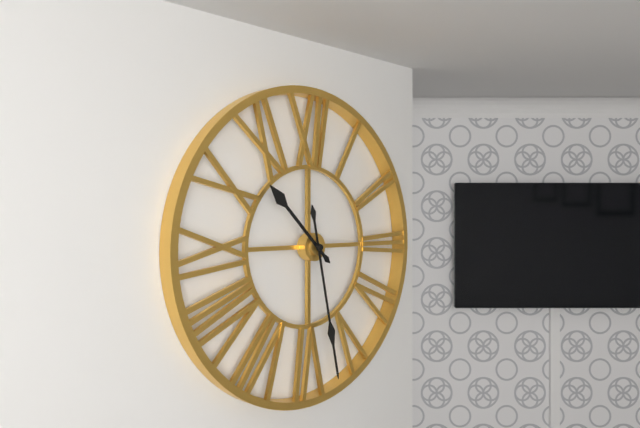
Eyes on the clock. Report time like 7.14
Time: 10.28
